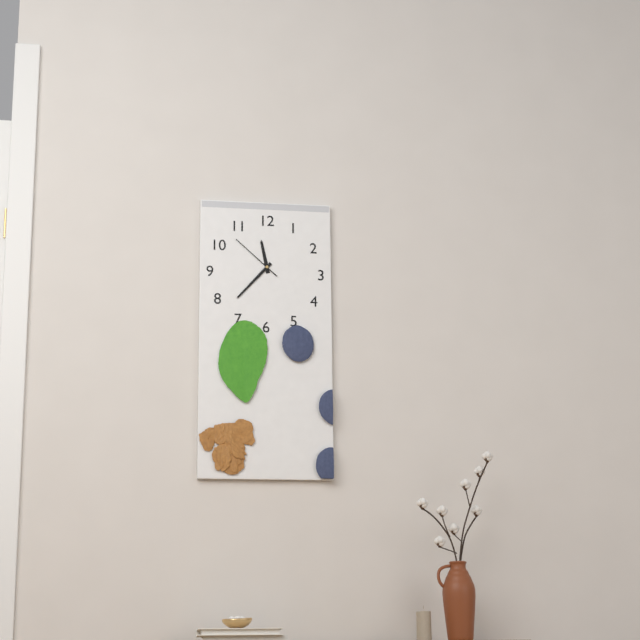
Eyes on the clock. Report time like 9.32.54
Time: 11.37.52
